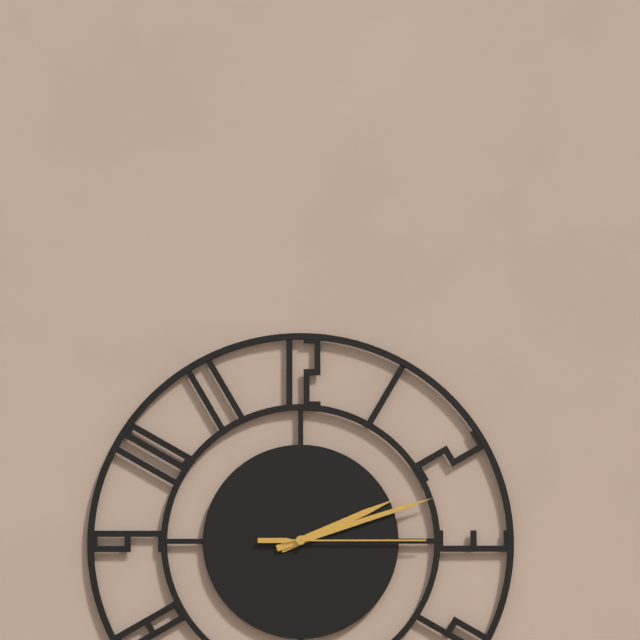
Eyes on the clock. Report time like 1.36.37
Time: 2.12.15
